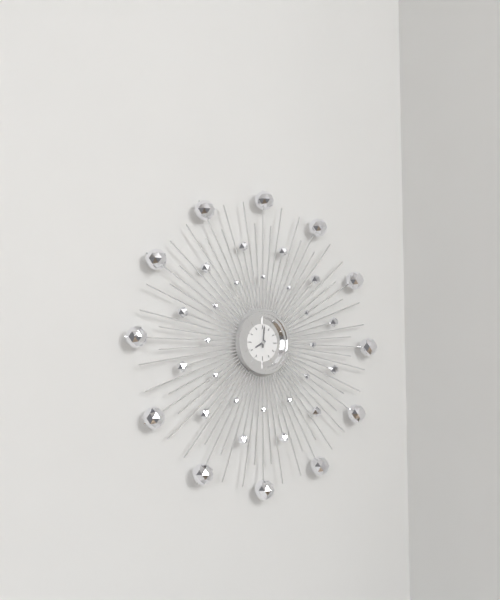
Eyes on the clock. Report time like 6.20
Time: 8.01
